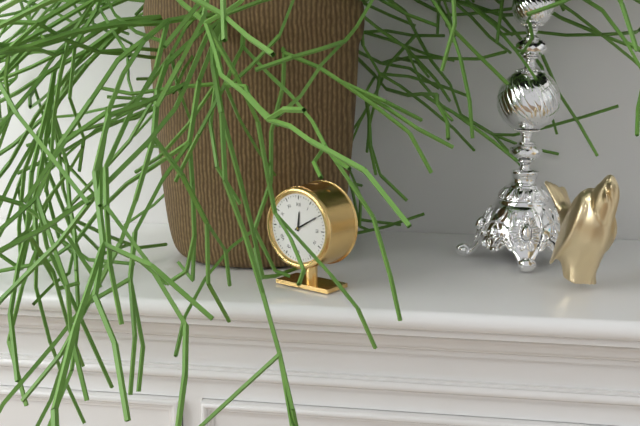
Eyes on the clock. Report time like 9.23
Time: 12.10
